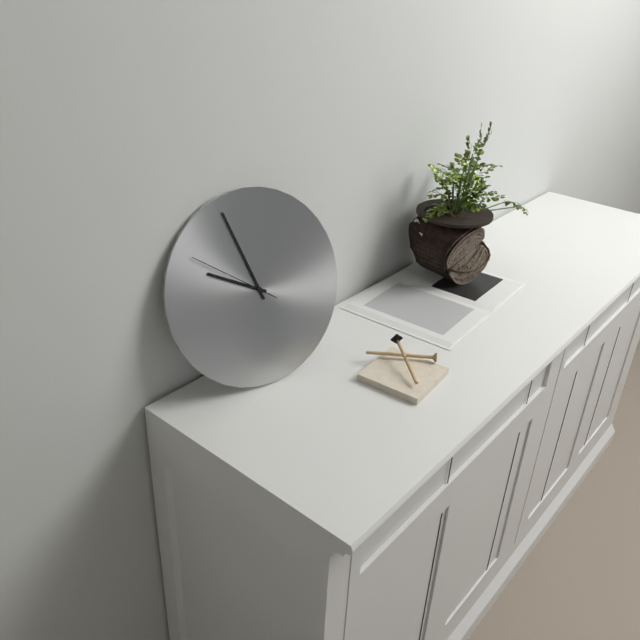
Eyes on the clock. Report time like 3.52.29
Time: 9.57.51
